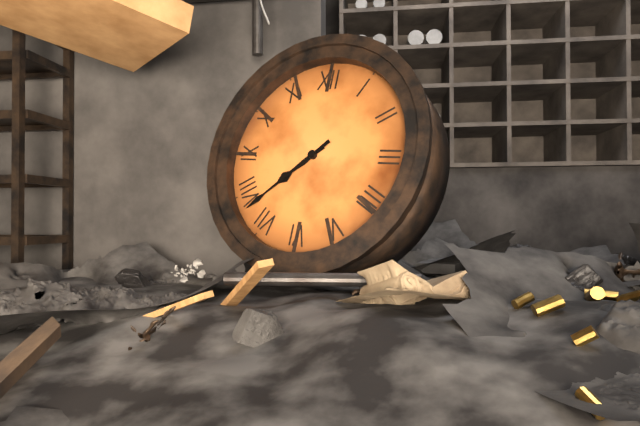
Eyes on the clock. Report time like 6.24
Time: 7.38
